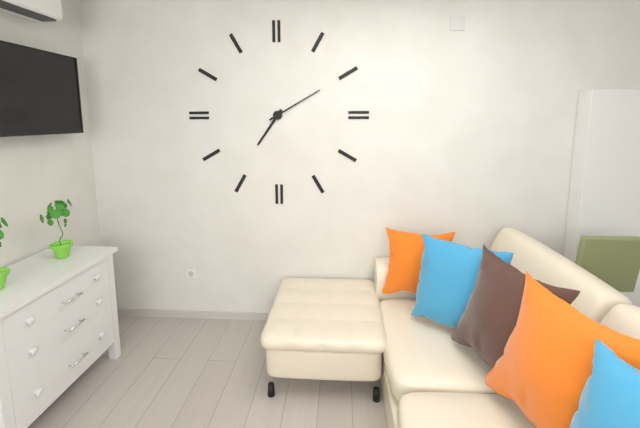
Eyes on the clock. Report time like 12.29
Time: 7.10
